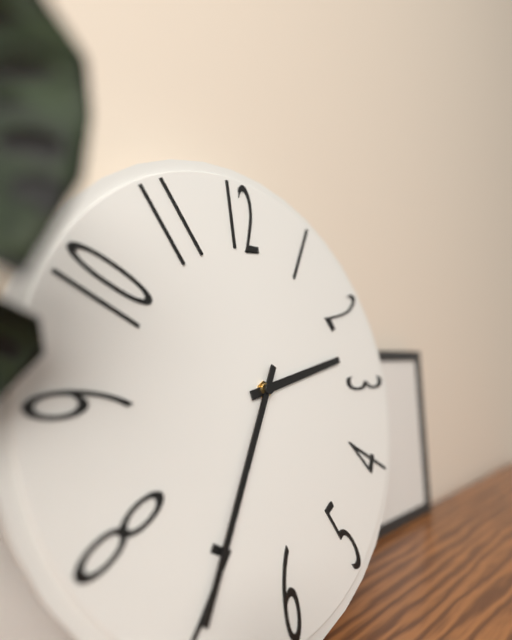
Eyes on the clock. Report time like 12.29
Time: 2.35
